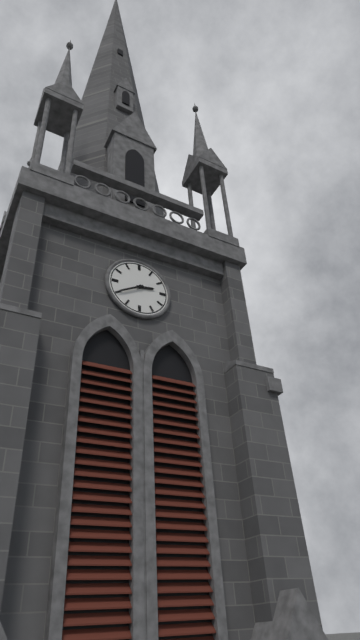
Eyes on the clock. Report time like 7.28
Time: 2.40
